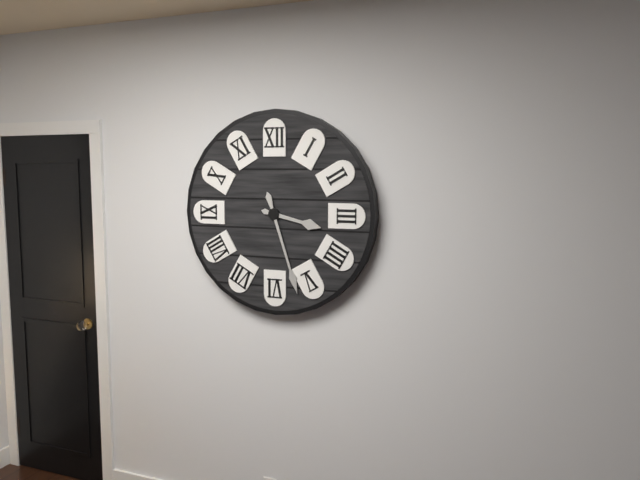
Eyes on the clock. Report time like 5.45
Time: 3.27
